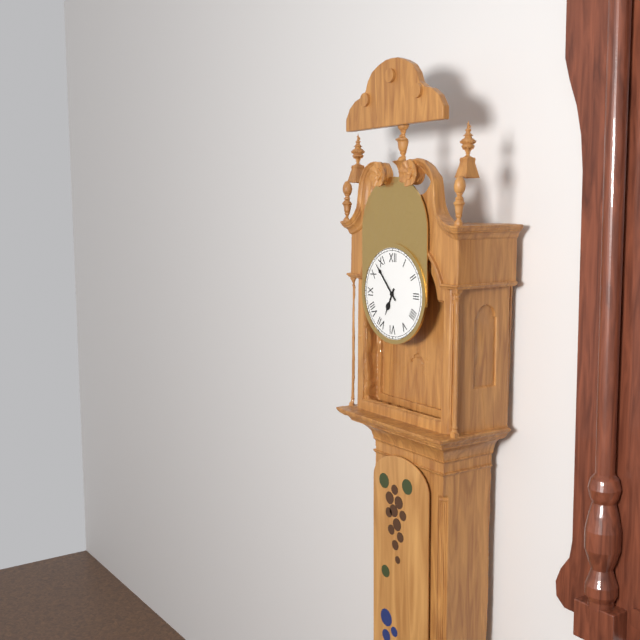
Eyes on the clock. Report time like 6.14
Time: 6.53
